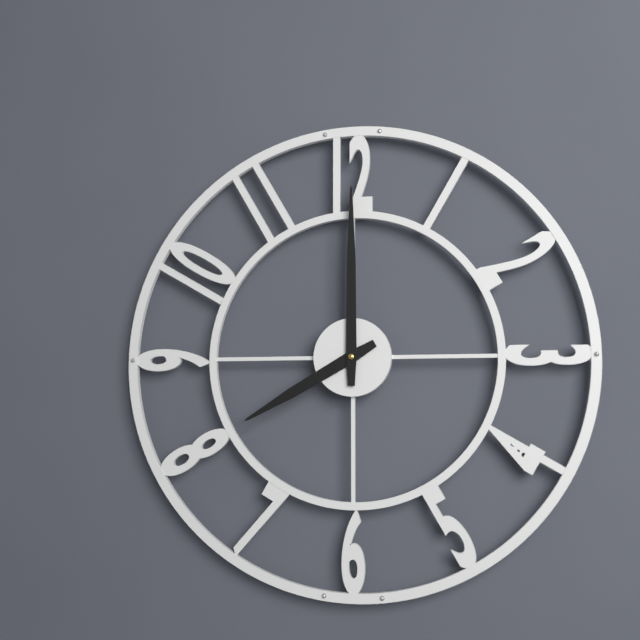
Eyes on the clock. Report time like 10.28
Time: 8.00
